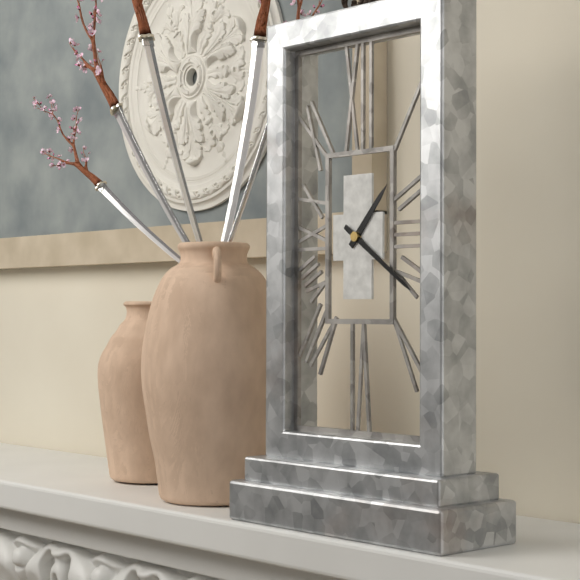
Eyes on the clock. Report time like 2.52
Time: 1.21
